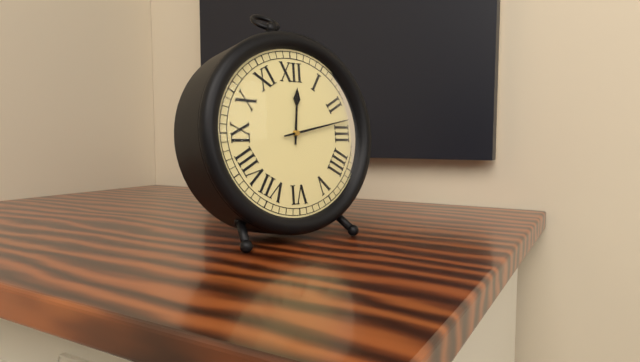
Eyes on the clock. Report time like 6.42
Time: 12.13
